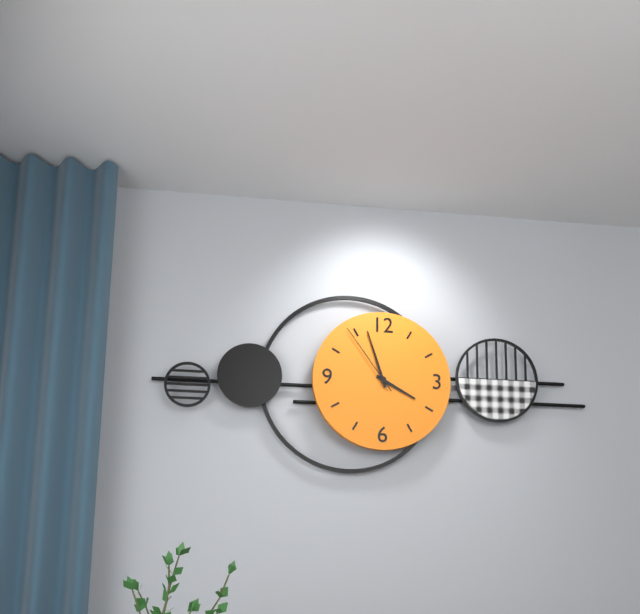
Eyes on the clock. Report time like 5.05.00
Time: 3.57.54
